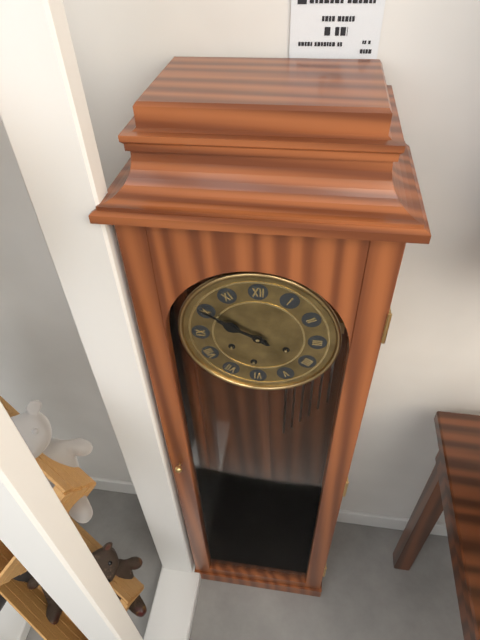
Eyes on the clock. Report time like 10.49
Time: 9.50
